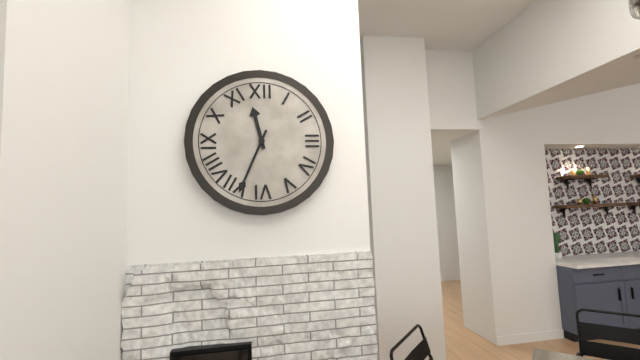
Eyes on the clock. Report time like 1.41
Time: 11.34
